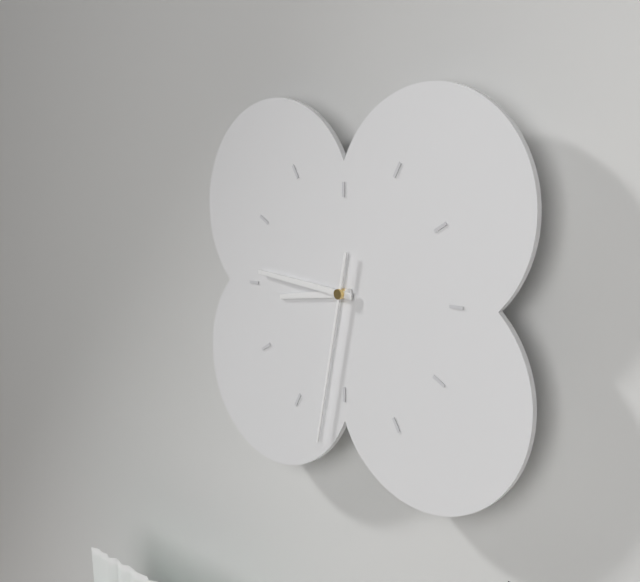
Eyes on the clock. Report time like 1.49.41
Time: 8.46.32
